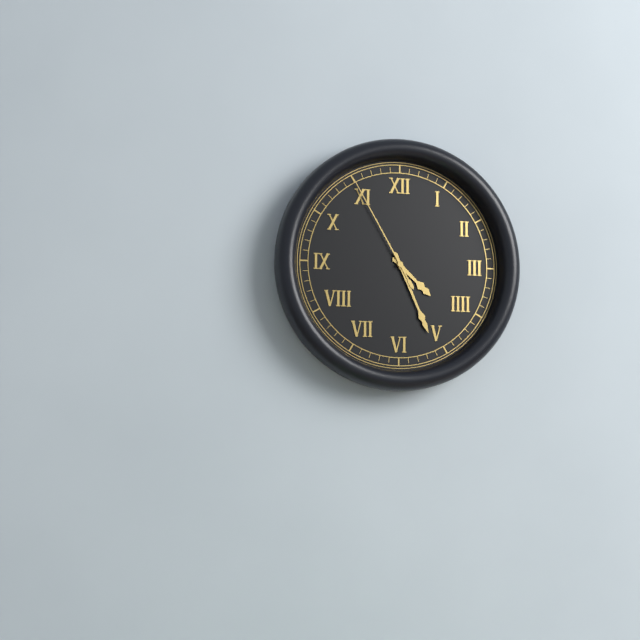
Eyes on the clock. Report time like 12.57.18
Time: 4.26.55
